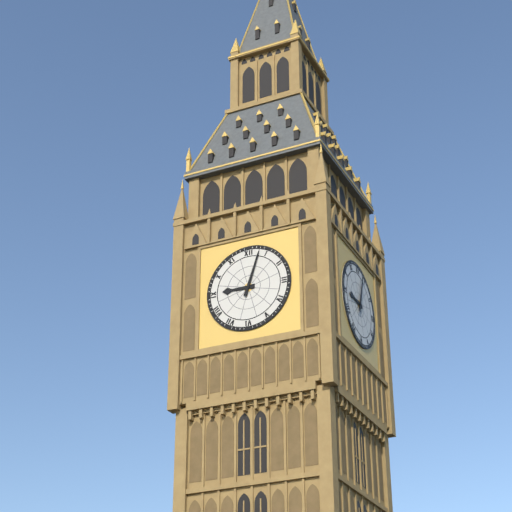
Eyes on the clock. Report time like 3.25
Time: 9.03
